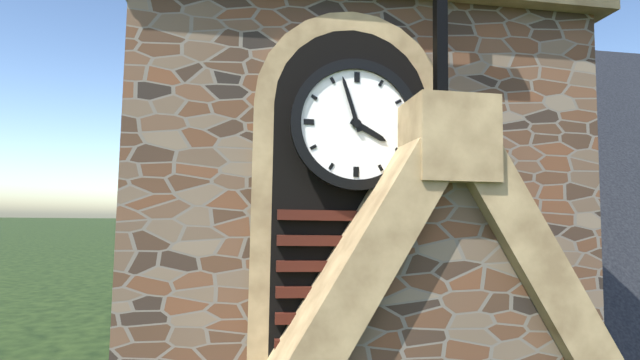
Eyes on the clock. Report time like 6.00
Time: 3.57
